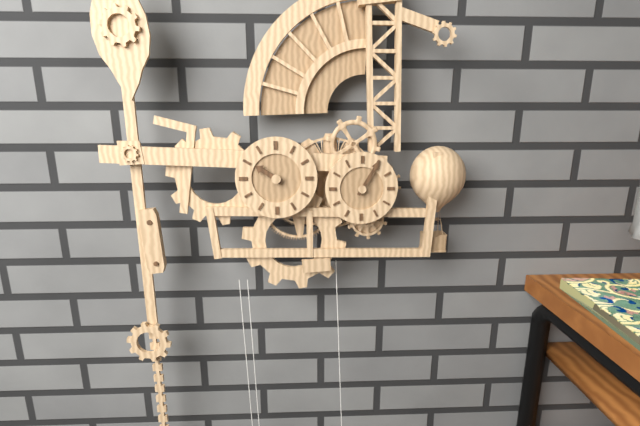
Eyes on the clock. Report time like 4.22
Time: 10.05
